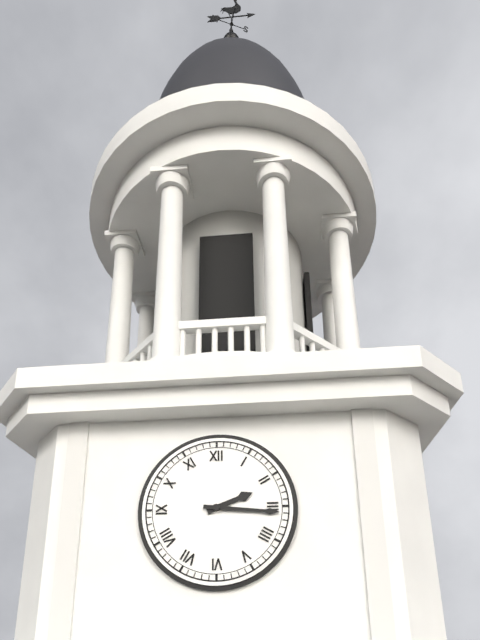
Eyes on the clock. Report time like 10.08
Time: 2.16
